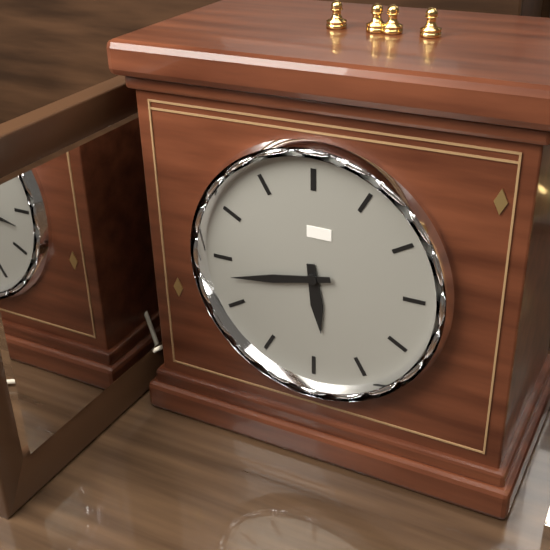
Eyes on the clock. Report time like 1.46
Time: 5.43
